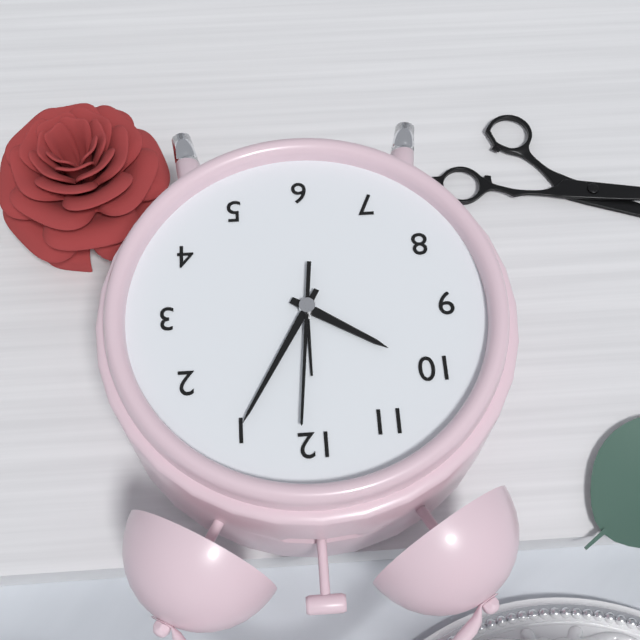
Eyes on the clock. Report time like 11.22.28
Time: 10.05.01
